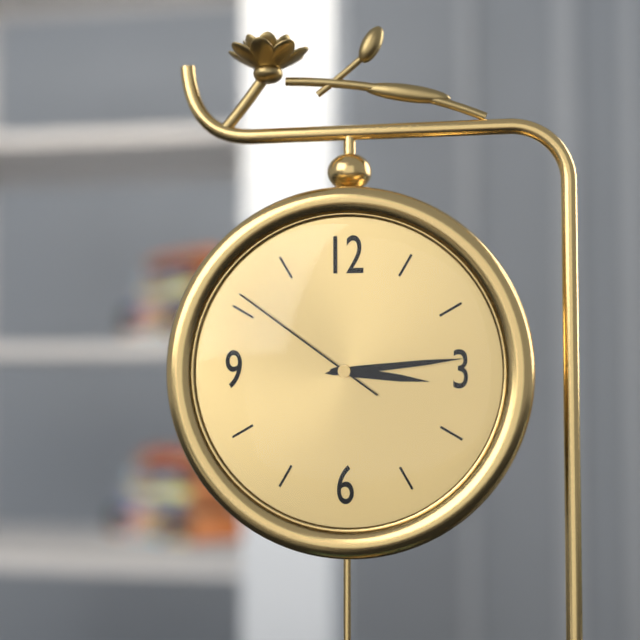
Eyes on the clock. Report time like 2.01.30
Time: 3.14.51
